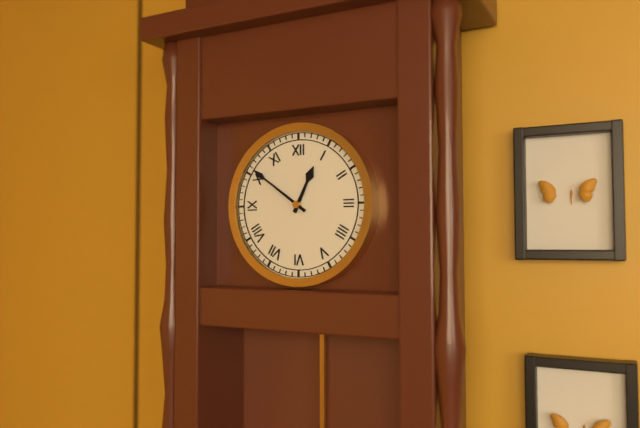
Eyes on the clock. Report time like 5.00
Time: 12.51
